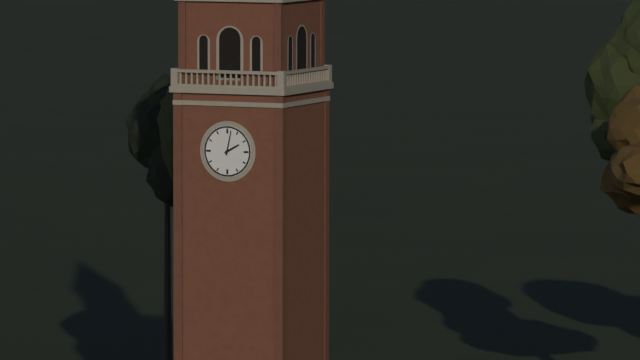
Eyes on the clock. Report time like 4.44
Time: 2.02
